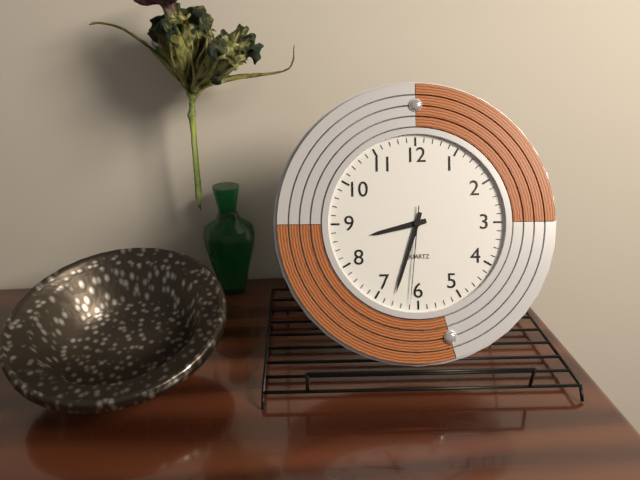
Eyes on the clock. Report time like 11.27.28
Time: 8.33.31
